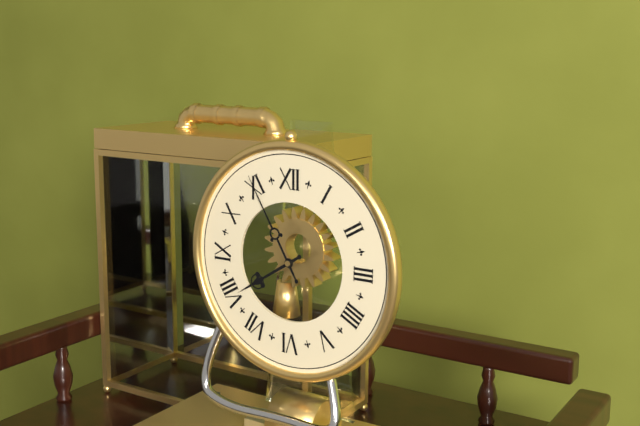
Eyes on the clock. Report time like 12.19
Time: 7.55
